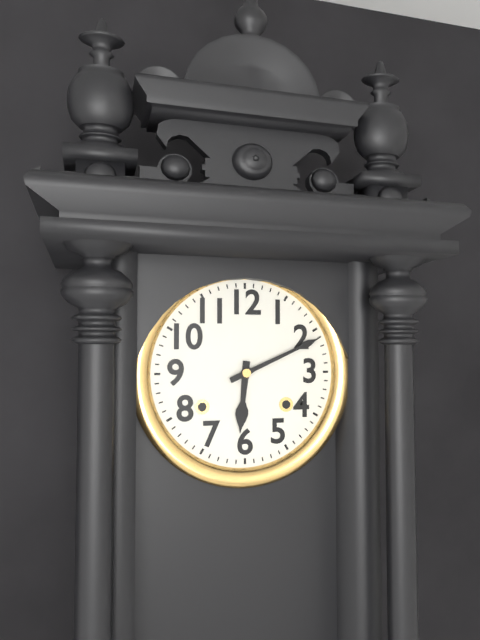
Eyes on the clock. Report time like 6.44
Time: 6.11
